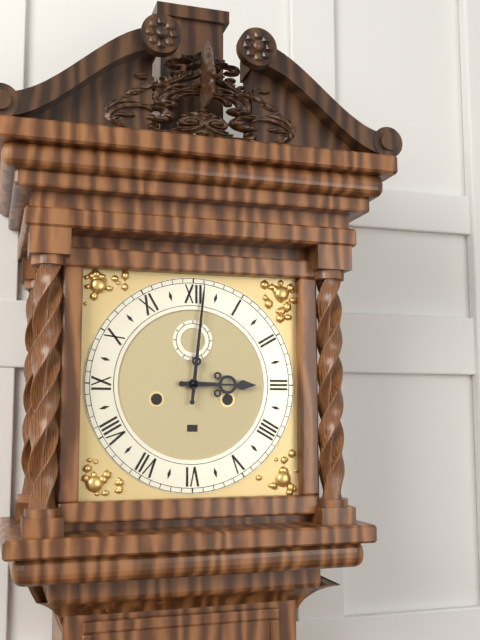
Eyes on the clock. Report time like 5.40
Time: 3.01
